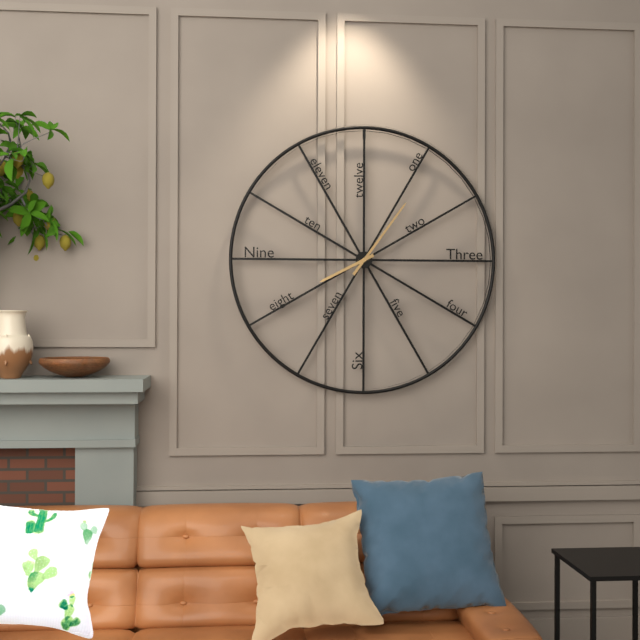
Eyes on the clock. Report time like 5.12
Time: 8.06
